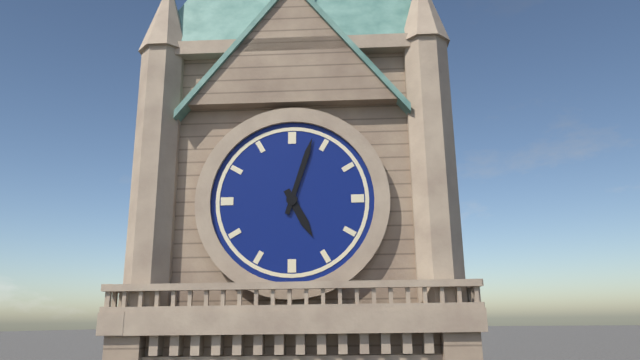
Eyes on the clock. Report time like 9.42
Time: 5.03
